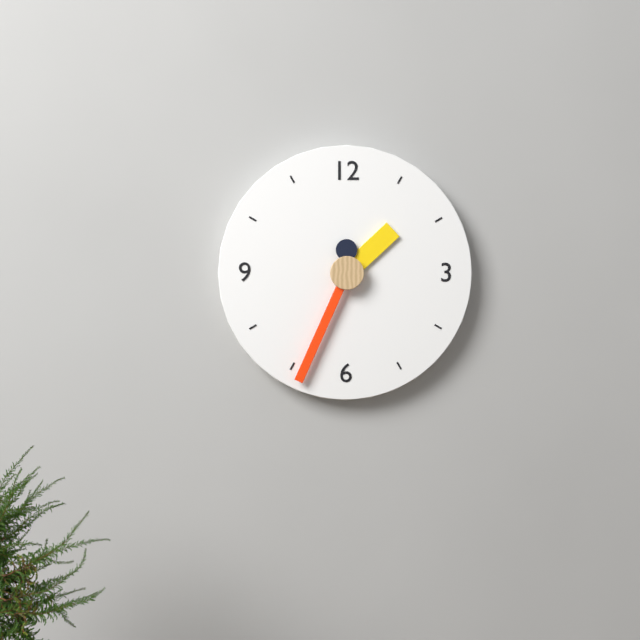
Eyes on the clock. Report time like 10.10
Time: 1.34
